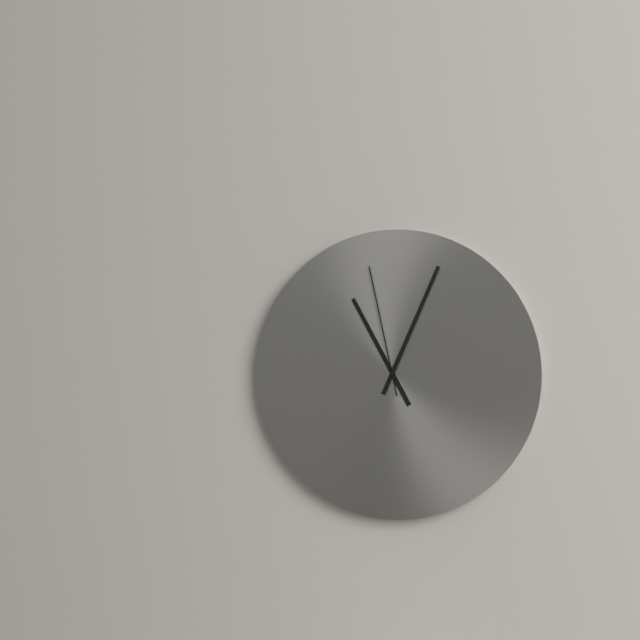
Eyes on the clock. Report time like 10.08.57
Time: 11.04.58
